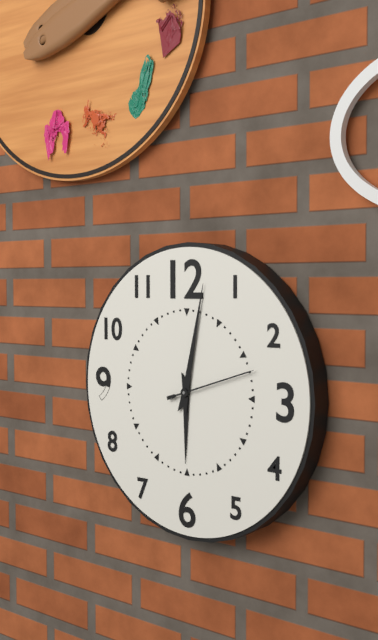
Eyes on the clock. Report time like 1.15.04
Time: 6.02.12
